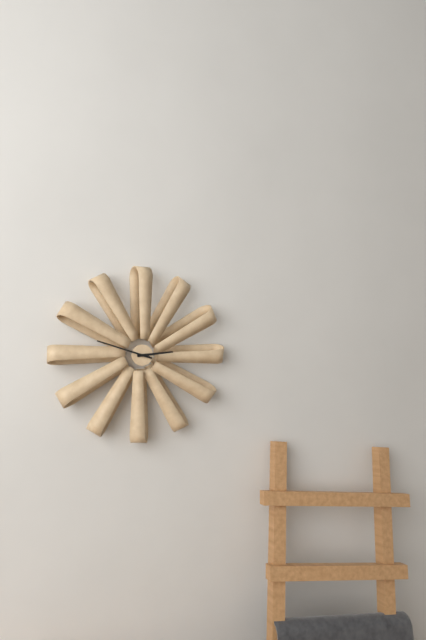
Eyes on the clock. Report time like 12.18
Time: 2.48
